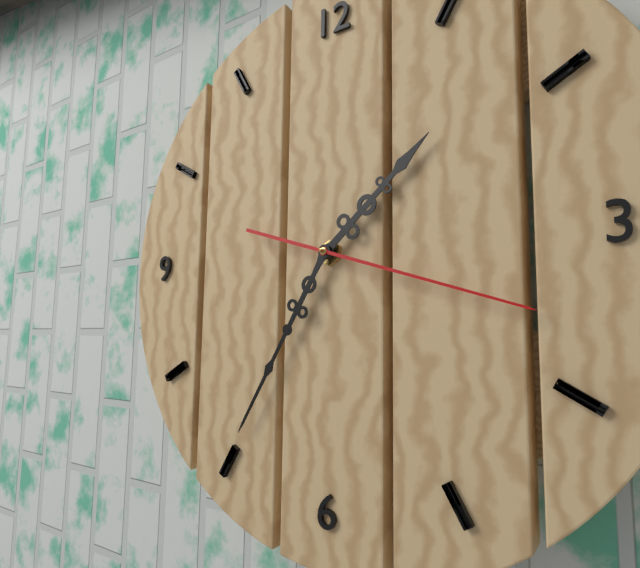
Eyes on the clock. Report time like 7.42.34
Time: 1.35.18
